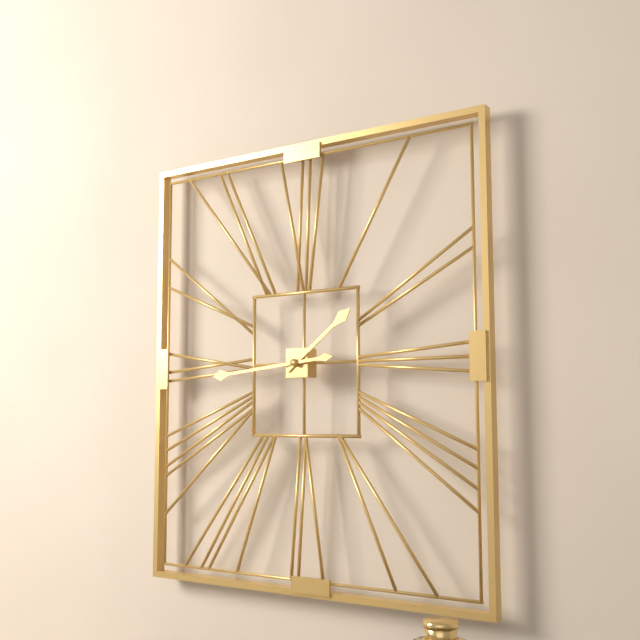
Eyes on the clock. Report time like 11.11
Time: 1.44
